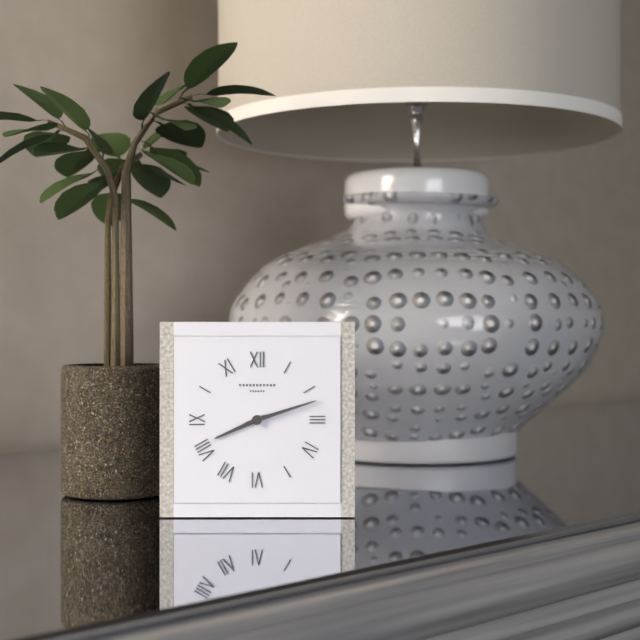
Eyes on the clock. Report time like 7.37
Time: 8.12
